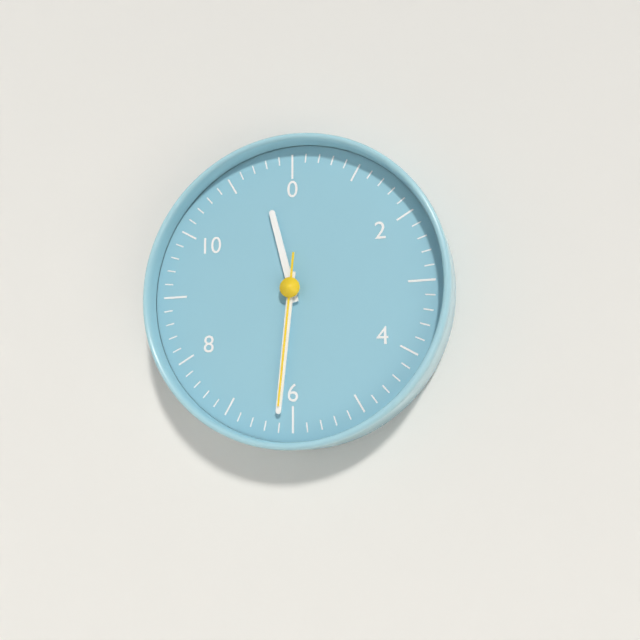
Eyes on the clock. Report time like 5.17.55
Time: 11.31.31
